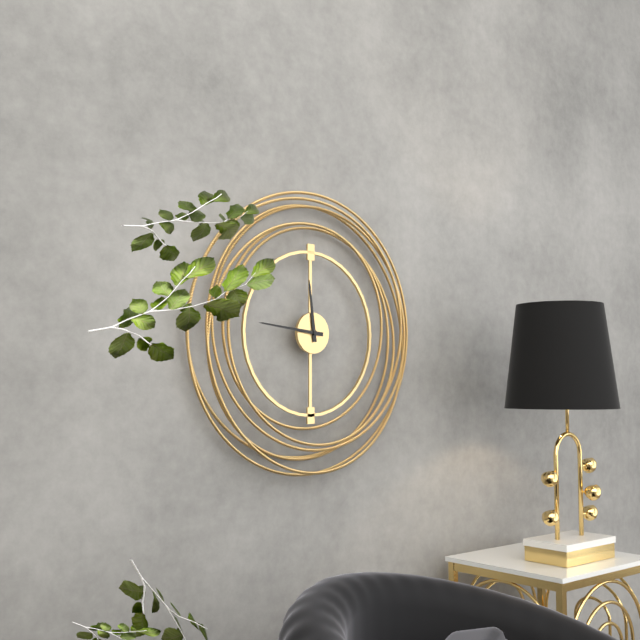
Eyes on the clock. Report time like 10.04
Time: 11.46
